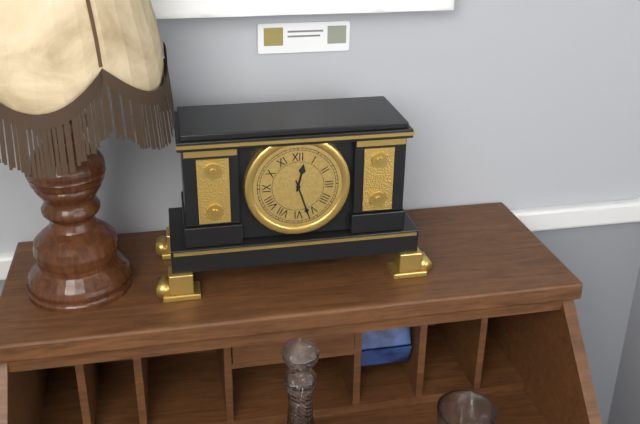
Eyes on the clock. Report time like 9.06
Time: 12.27
